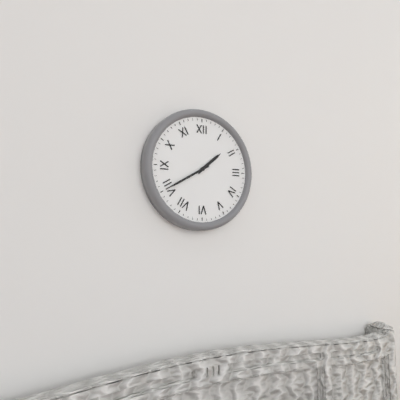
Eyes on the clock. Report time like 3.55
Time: 1.40
